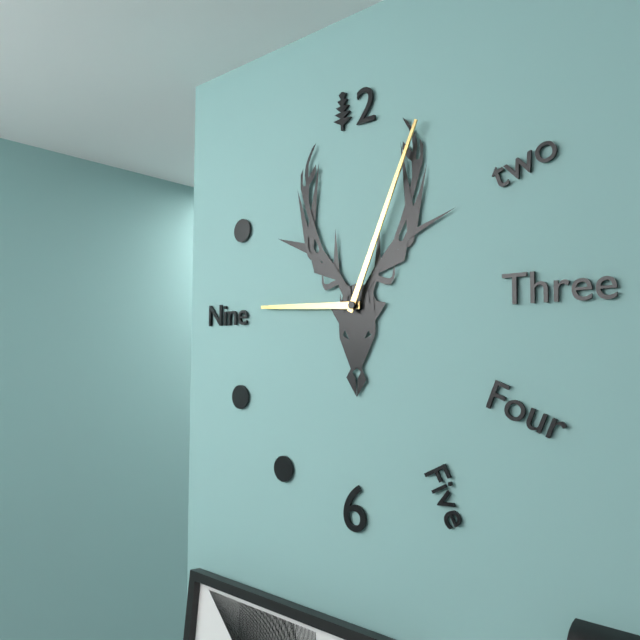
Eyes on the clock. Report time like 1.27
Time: 9.04
